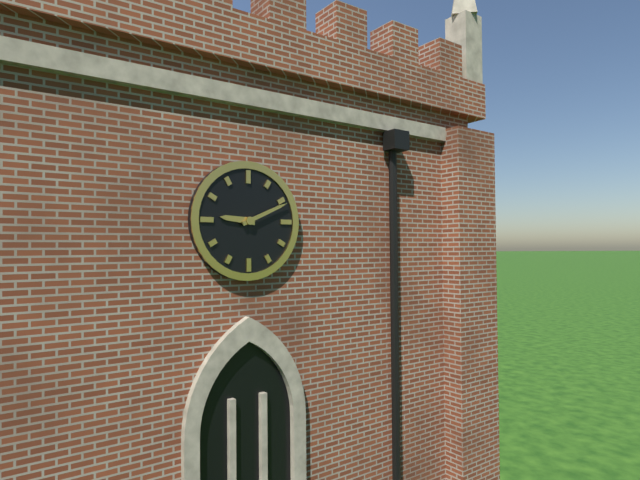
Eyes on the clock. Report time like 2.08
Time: 9.11
